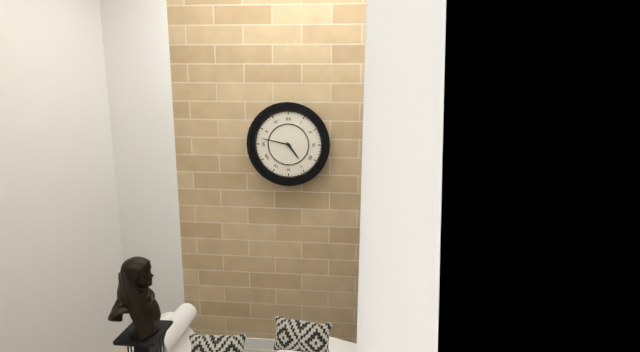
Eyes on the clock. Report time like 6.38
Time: 4.47
